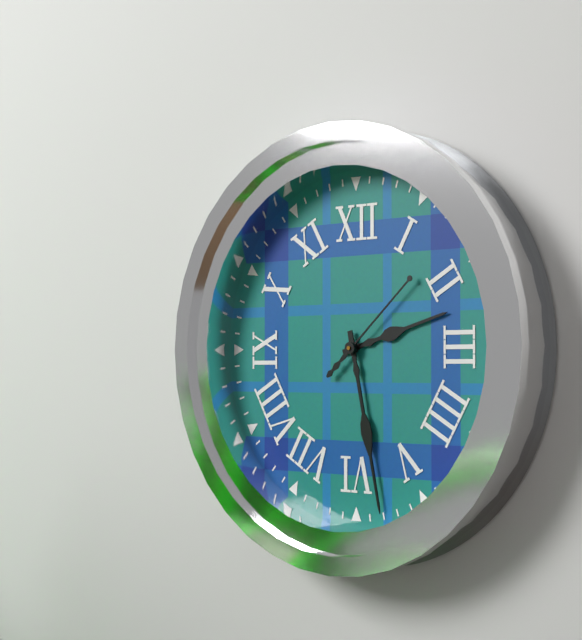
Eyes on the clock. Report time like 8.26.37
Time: 2.28.08
